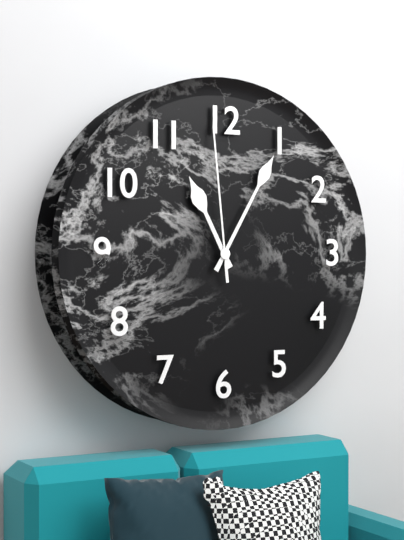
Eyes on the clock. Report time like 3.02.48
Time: 11.05.59
